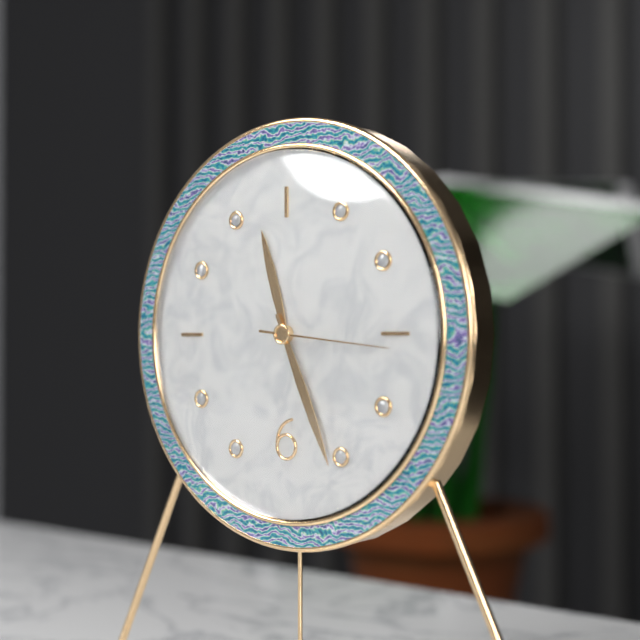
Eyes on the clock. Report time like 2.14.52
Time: 11.26.16
